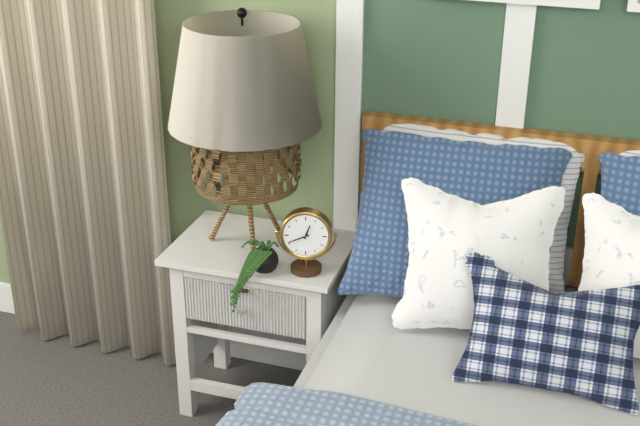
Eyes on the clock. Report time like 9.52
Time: 12.41
